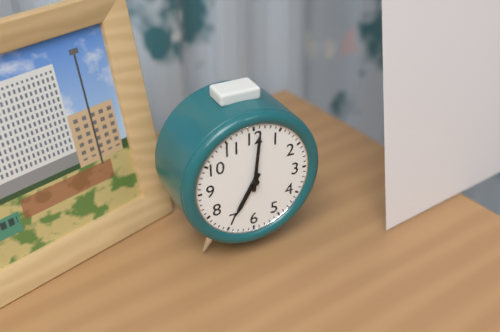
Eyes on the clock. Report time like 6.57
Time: 7.01
